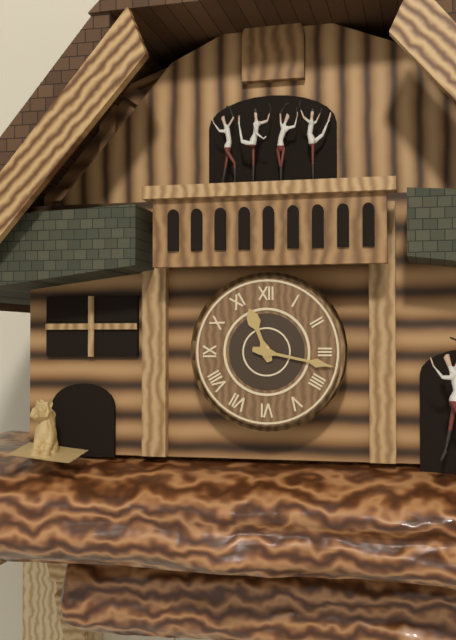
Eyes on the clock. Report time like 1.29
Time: 11.17
